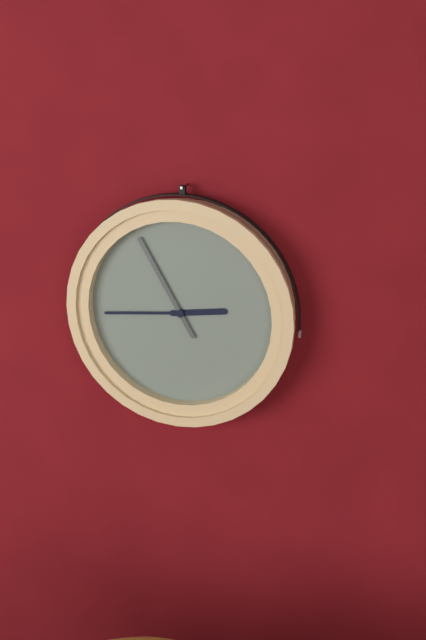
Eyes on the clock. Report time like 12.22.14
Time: 2.44.55
